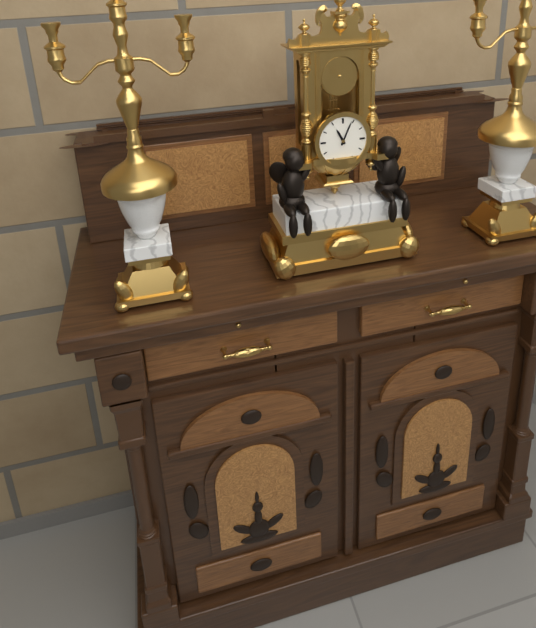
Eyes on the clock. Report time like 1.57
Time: 11.04
